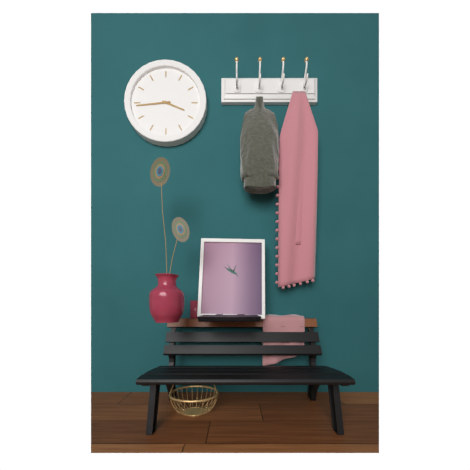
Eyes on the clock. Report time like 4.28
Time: 3.44
